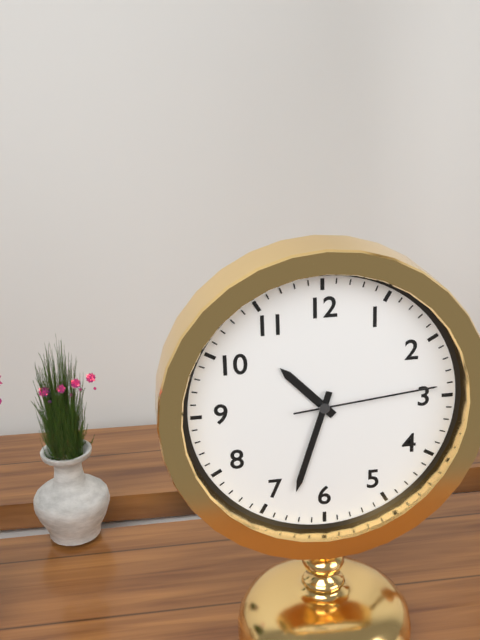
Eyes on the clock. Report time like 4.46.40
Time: 10.33.14
